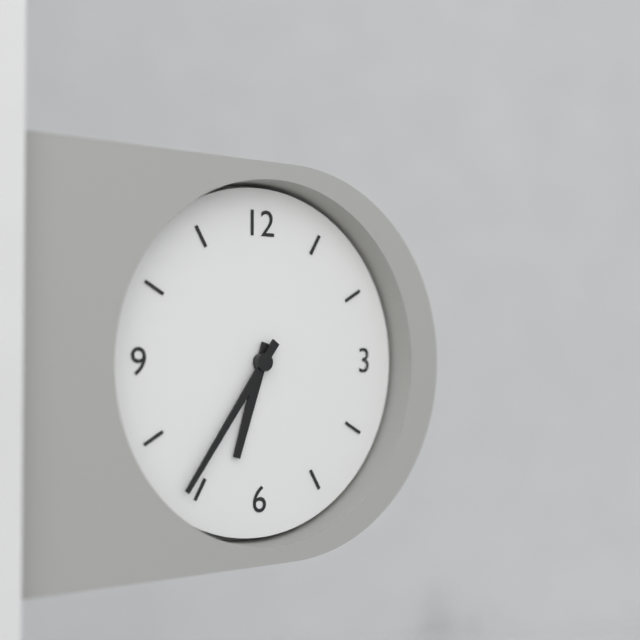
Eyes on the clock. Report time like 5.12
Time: 6.36
